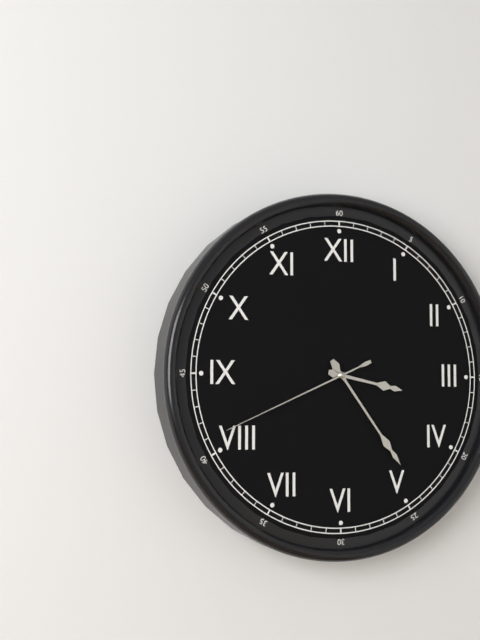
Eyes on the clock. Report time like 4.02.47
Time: 3.24.41
